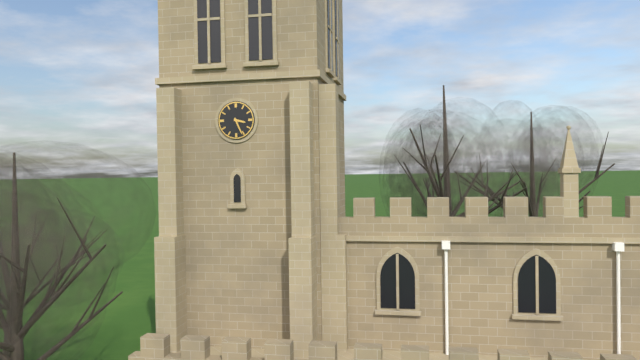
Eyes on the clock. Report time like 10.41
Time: 3.26
